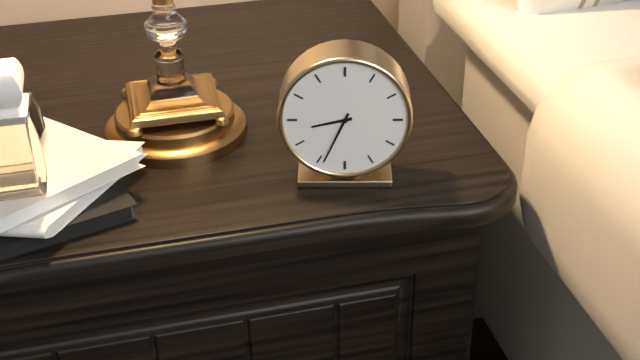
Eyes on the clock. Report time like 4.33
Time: 8.34
